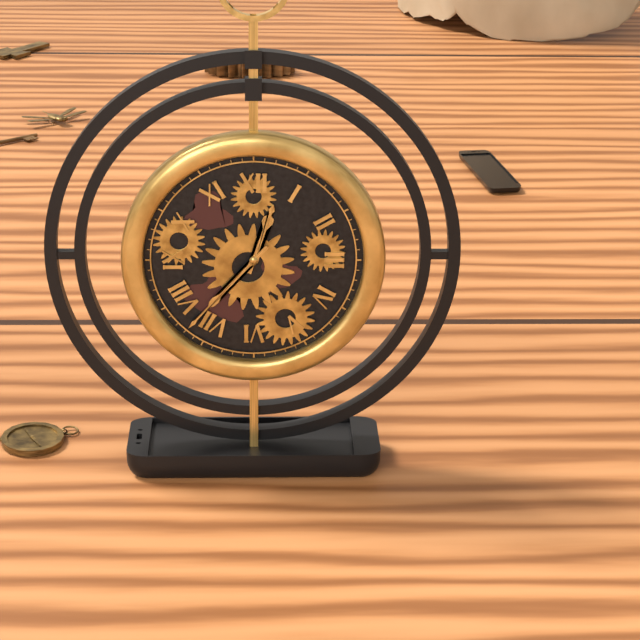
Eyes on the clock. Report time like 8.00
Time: 12.37
